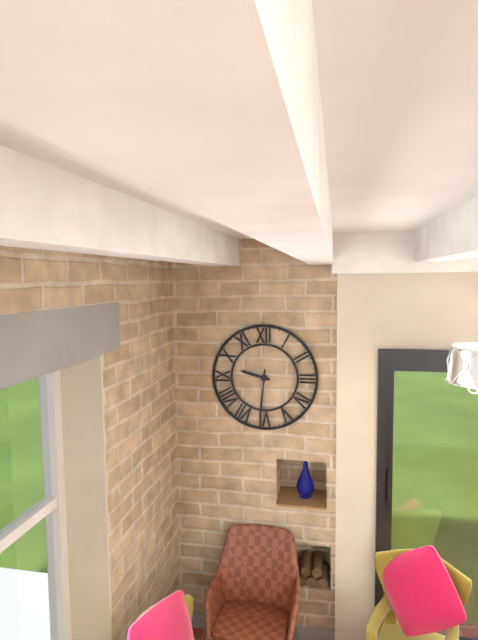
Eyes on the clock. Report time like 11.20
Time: 9.31
